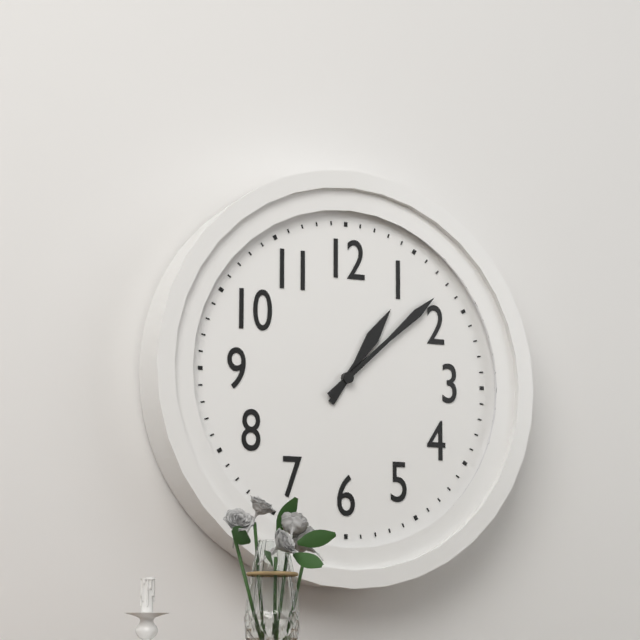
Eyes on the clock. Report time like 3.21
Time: 1.08
